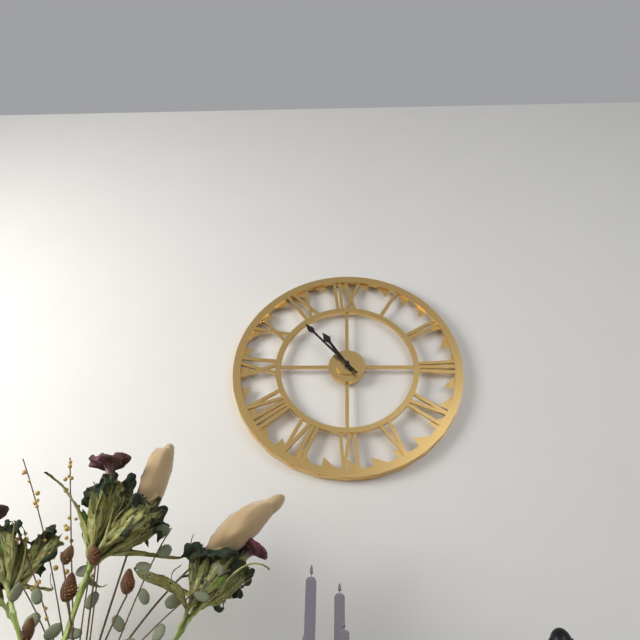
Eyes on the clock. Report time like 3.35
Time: 10.53
